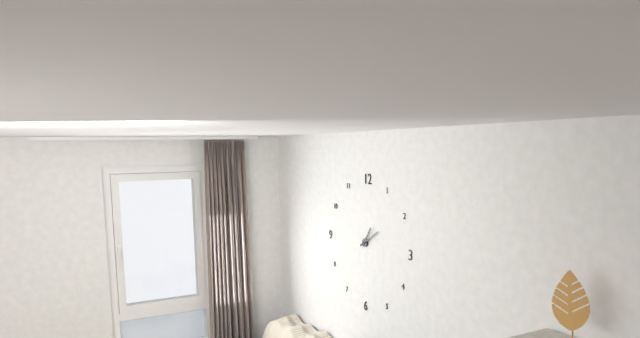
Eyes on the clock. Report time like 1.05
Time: 1.10
